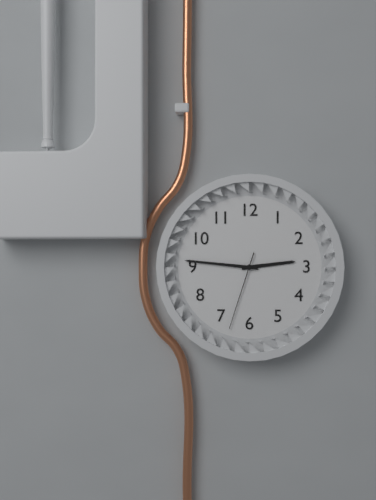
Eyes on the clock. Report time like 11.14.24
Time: 2.46.33
